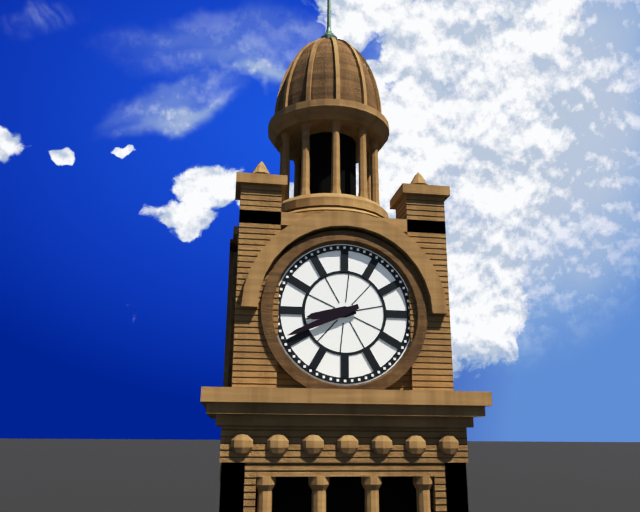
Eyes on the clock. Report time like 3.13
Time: 8.41
